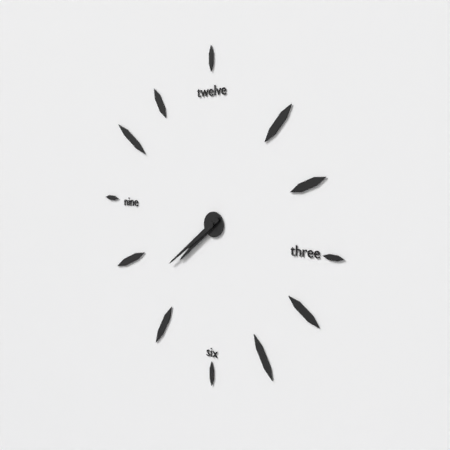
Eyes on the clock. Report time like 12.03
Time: 7.39
